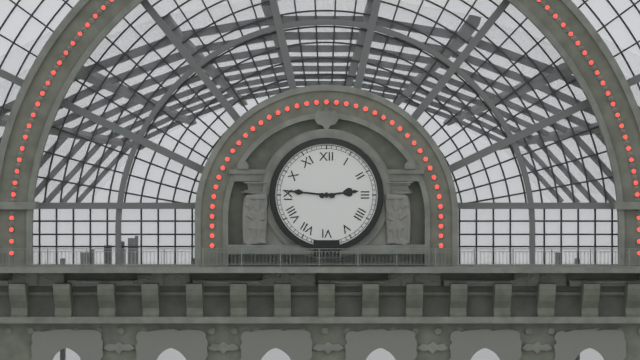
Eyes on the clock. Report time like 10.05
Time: 2.46
